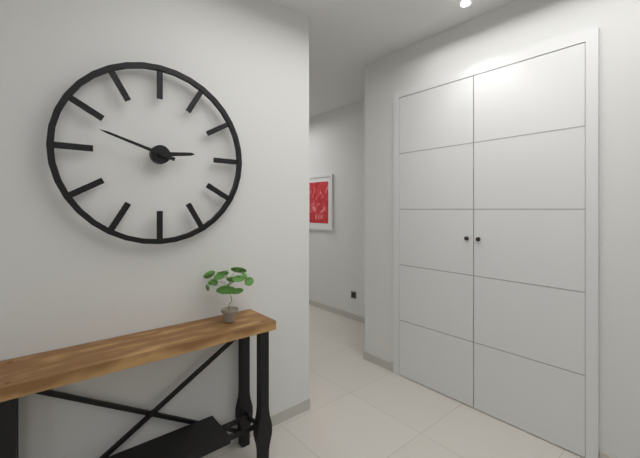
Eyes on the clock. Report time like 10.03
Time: 2.48
